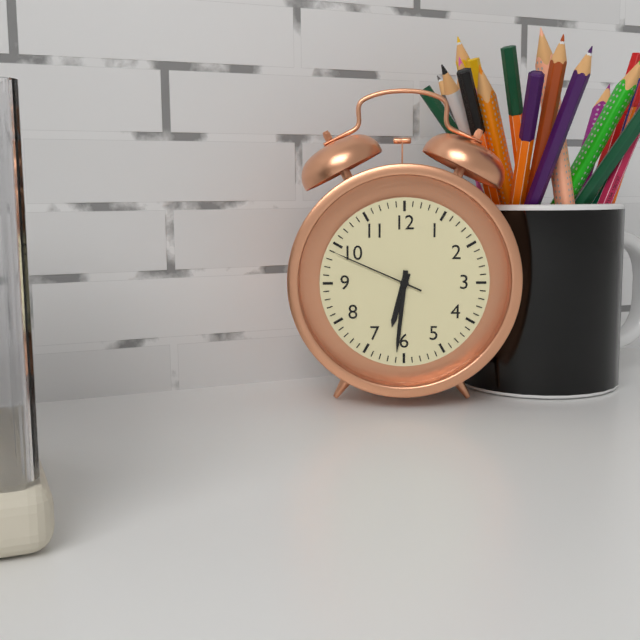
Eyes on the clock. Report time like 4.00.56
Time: 6.31.49
